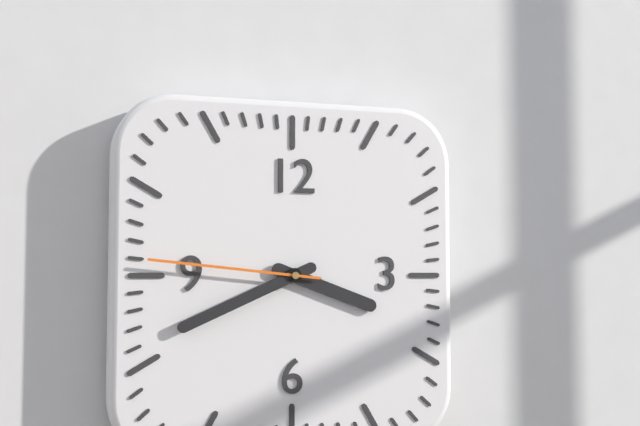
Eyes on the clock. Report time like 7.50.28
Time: 3.41.46
